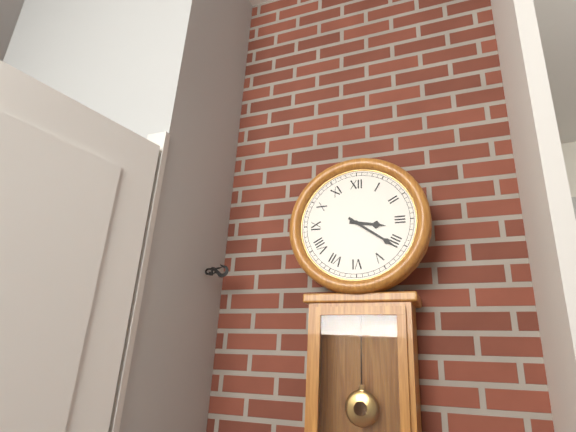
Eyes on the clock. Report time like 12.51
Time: 3.21
